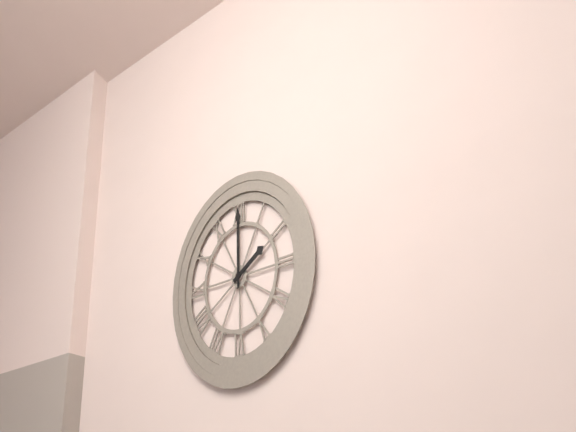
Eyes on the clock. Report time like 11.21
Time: 2.00
